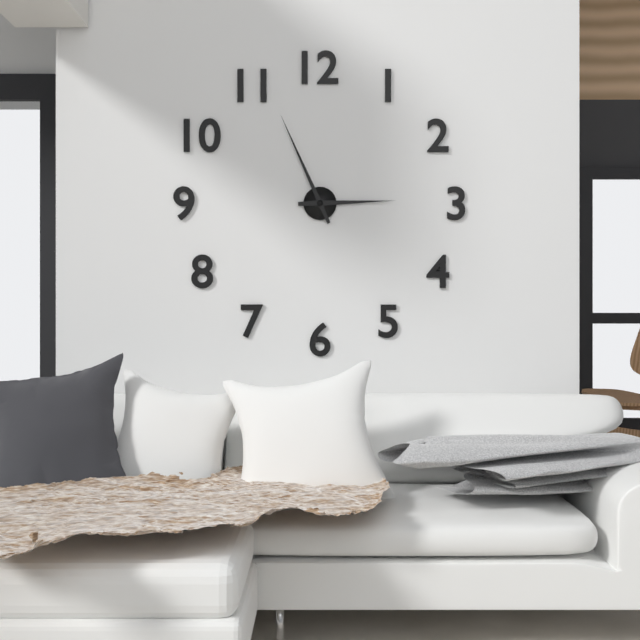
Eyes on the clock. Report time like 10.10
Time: 2.56
